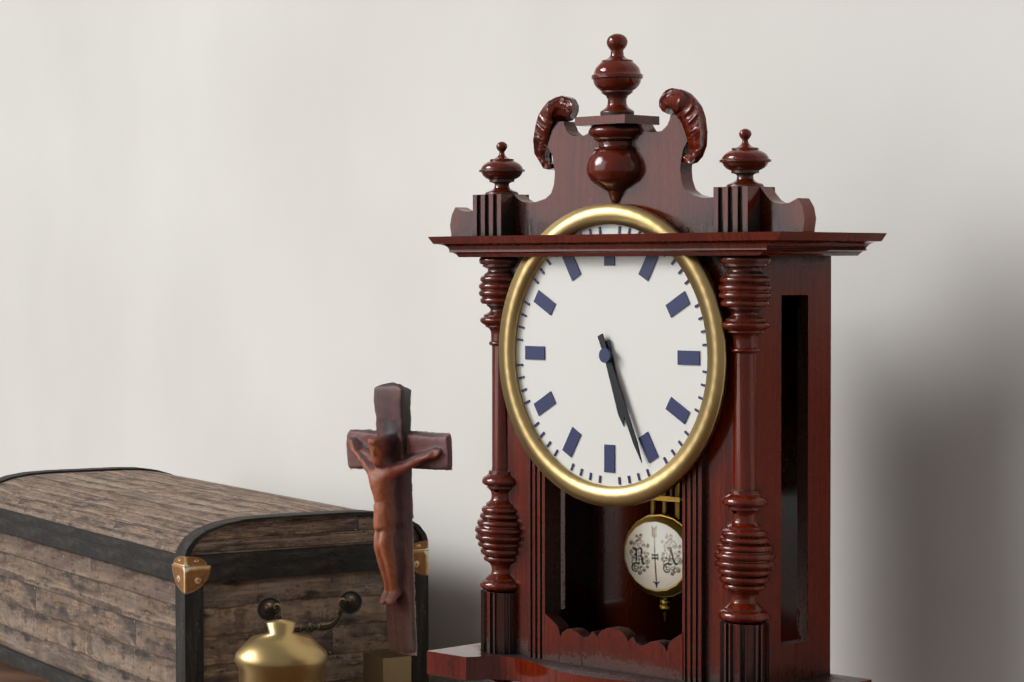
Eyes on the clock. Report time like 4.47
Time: 5.26
